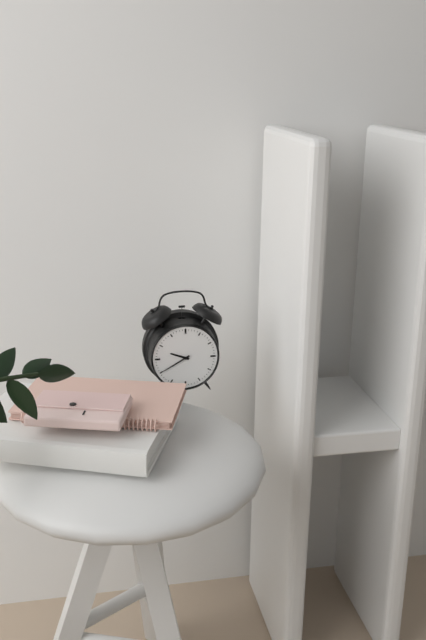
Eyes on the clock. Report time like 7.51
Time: 9.40
